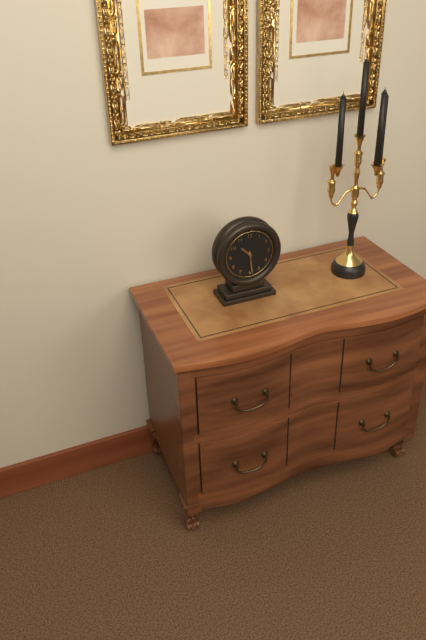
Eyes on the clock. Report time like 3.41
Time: 10.29
